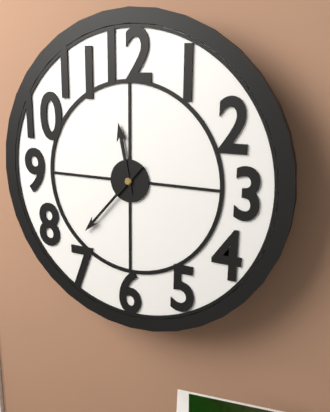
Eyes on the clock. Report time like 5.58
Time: 11.37
